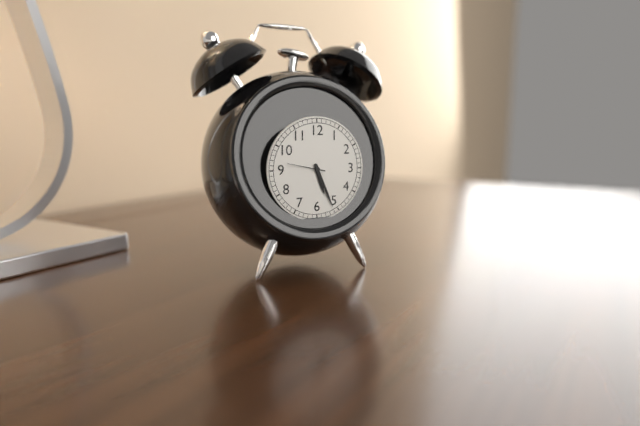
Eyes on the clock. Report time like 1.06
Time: 5.26
